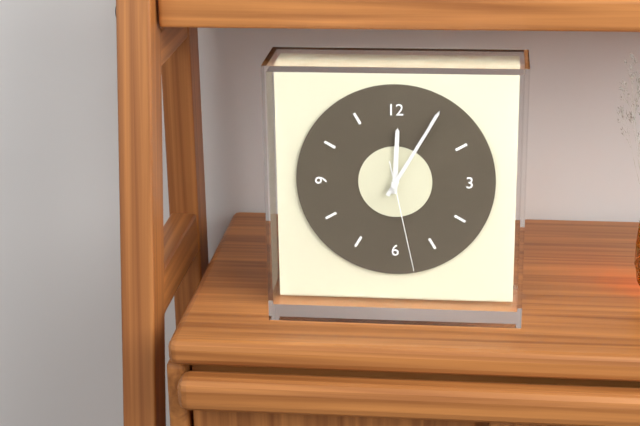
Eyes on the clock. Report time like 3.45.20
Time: 12.05.28
